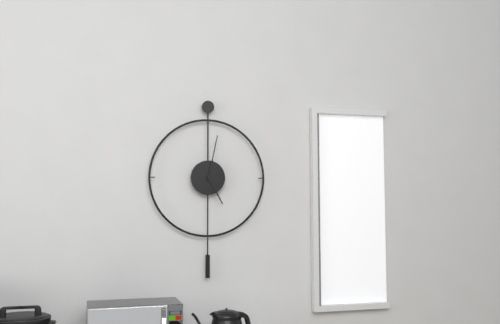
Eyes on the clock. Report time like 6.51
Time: 5.02
